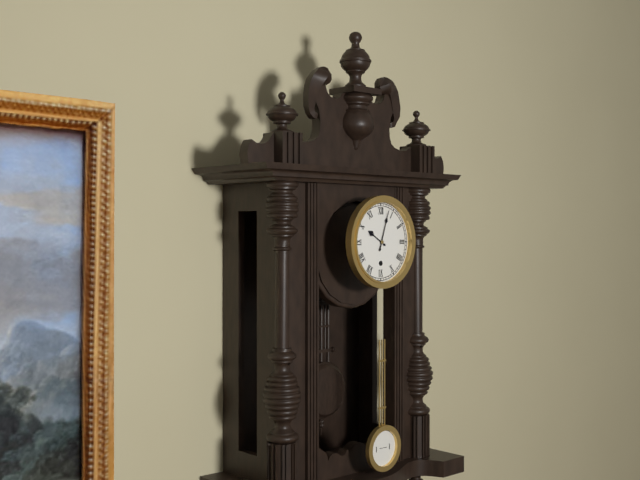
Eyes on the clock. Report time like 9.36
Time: 10.03
